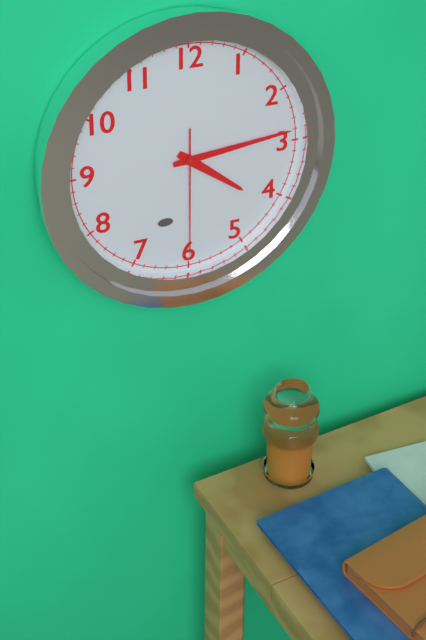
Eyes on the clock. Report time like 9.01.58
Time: 4.14.30
